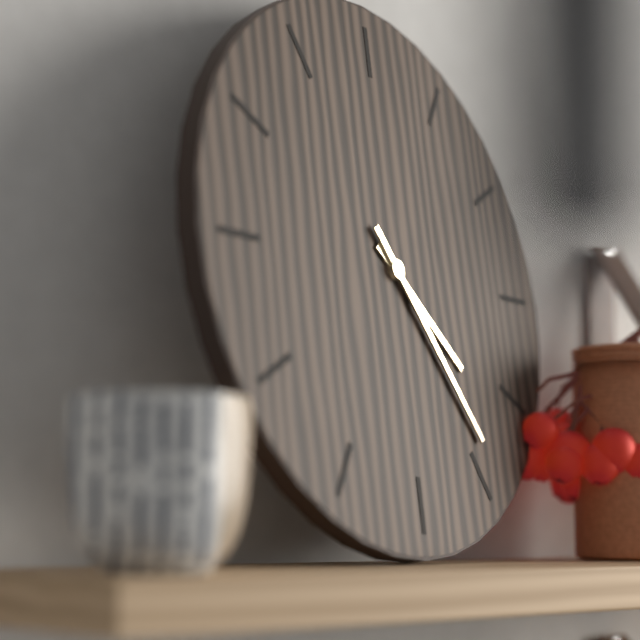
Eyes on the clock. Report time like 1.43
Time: 4.24
